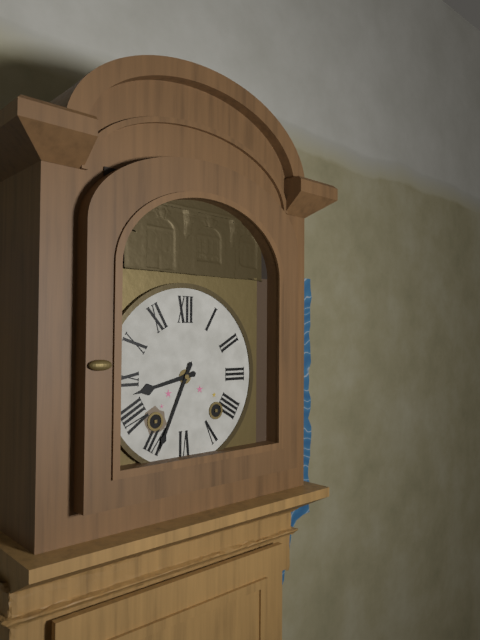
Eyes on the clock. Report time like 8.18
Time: 8.34
